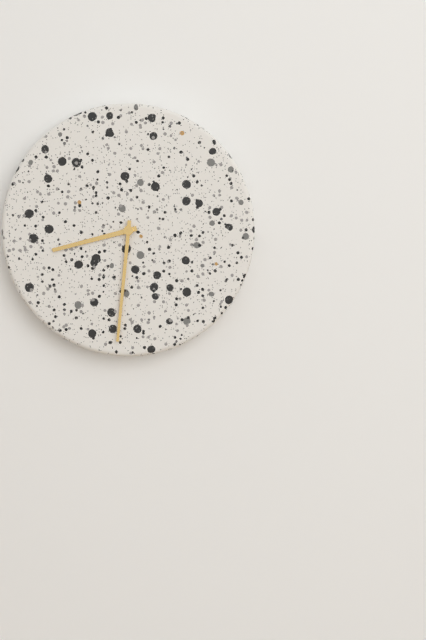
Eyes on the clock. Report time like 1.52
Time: 8.31
